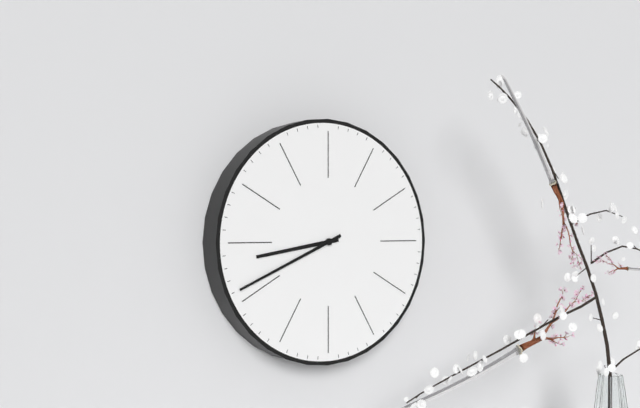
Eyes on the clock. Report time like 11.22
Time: 8.41
